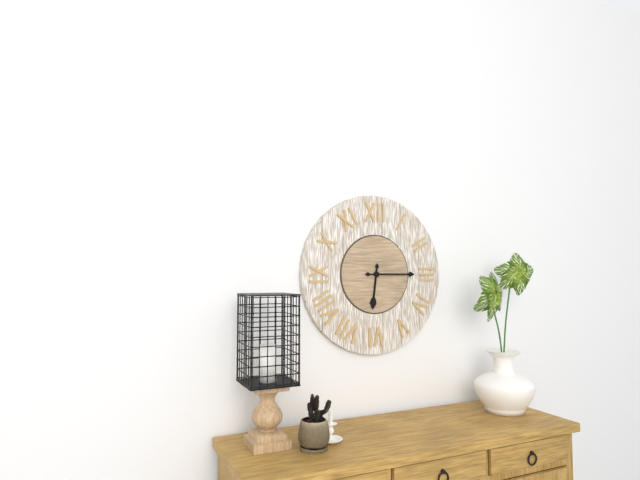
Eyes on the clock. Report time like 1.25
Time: 6.15
